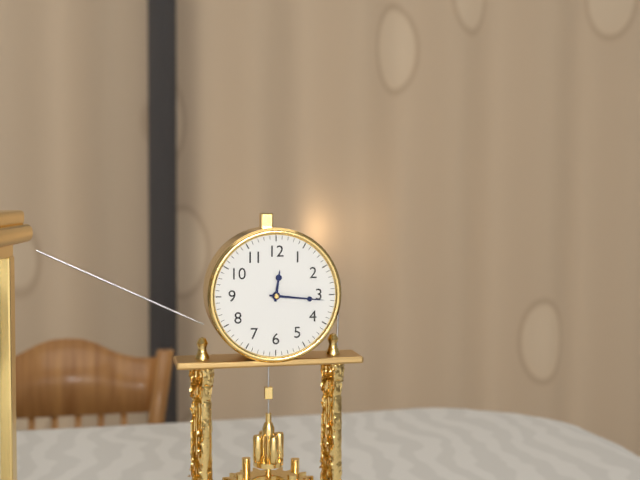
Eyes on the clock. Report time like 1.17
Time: 12.16
